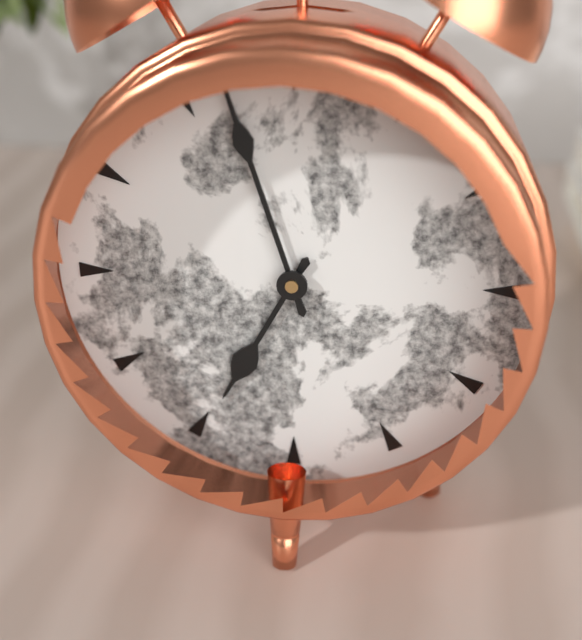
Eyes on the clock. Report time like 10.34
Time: 6.57
